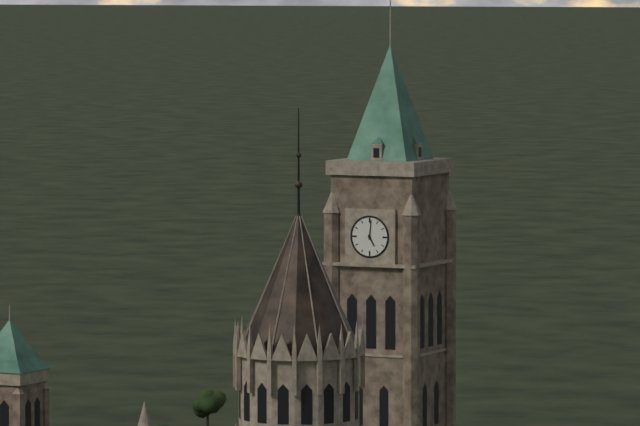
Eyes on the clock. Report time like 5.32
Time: 5.01
